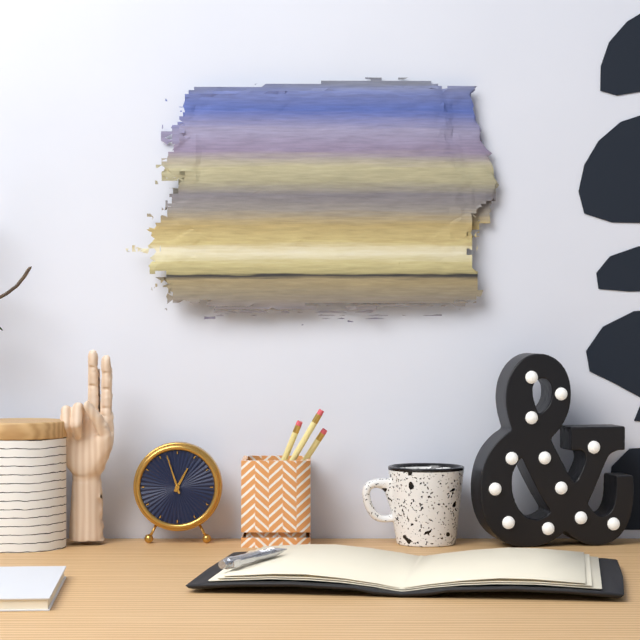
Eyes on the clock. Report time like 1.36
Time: 12.57
